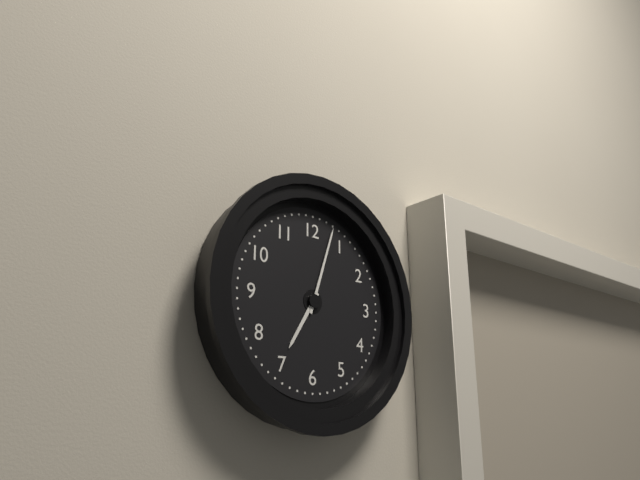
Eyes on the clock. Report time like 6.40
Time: 7.03
